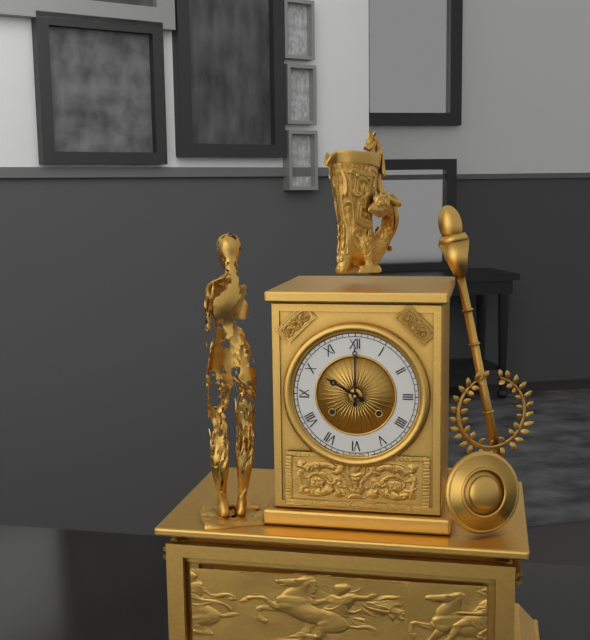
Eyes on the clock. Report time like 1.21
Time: 10.00
